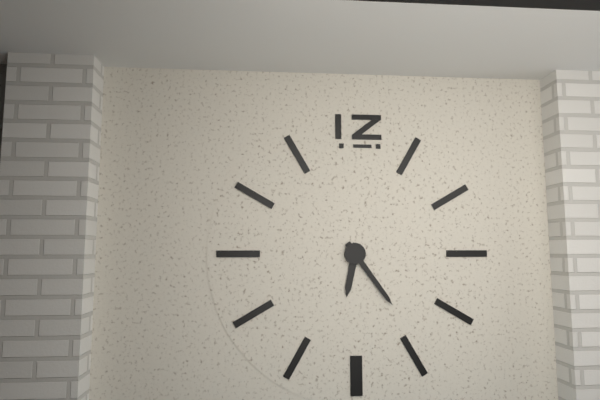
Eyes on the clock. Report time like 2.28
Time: 6.24
